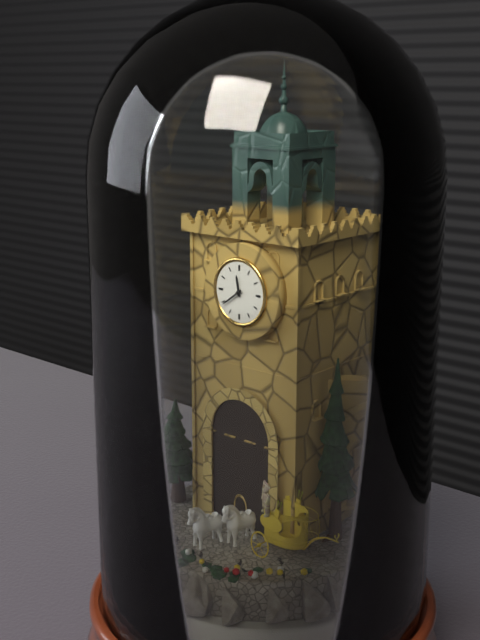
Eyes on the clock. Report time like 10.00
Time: 11.39
